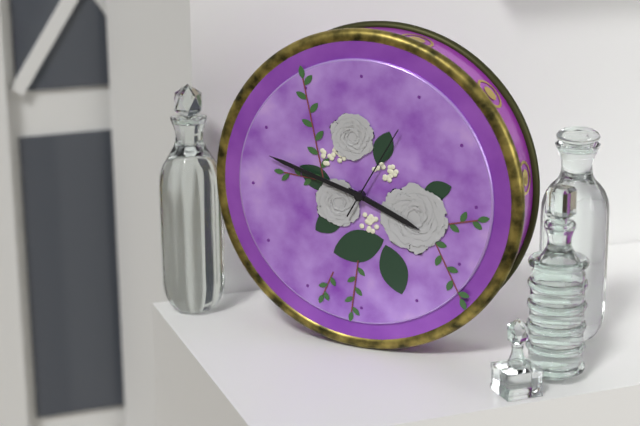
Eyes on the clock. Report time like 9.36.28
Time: 3.48.05
